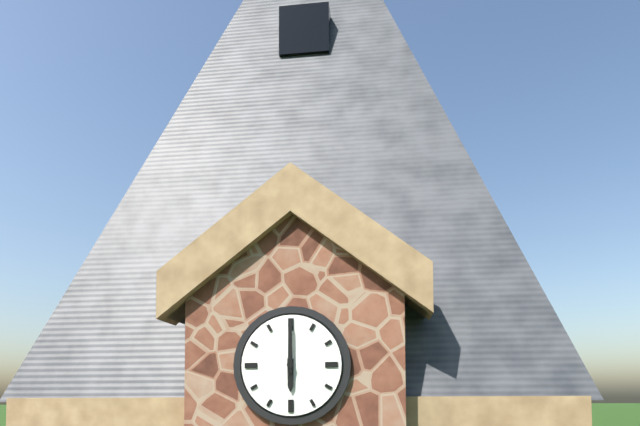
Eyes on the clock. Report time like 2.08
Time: 6.00
